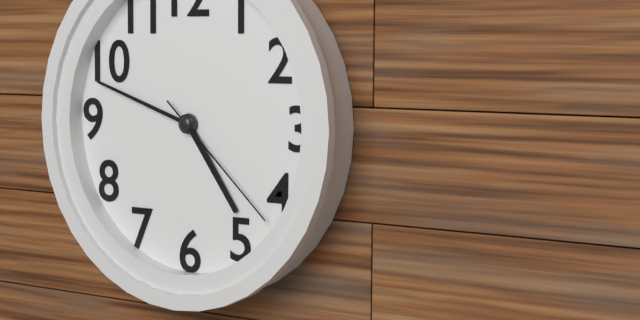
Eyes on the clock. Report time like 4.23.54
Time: 4.48.22
